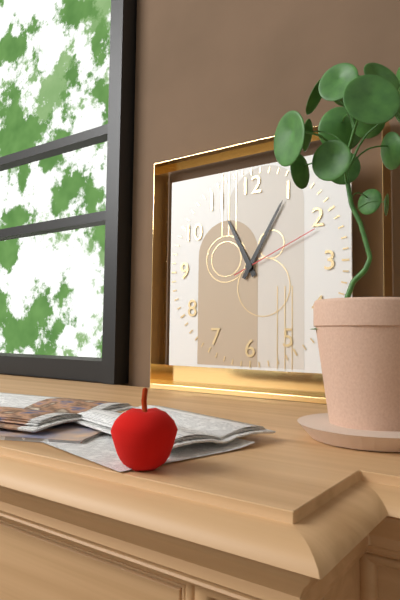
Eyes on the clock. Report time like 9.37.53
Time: 11.05.11
